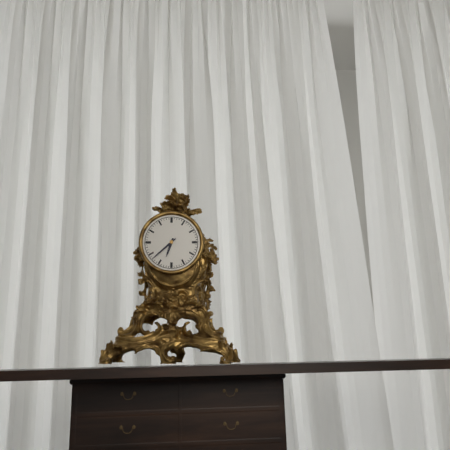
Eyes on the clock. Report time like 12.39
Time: 6.38
